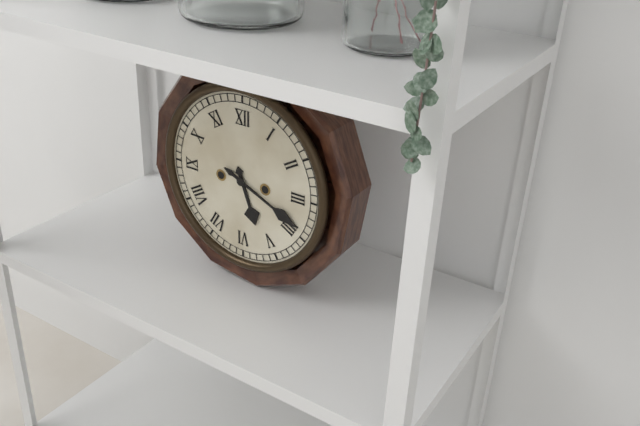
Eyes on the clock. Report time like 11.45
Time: 5.19
